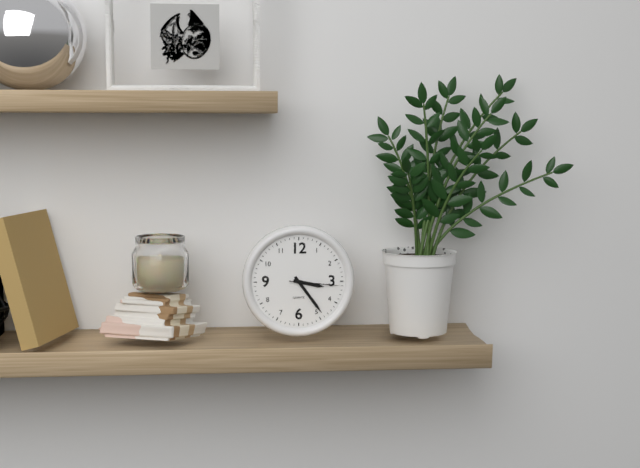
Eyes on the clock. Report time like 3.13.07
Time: 3.24.16
